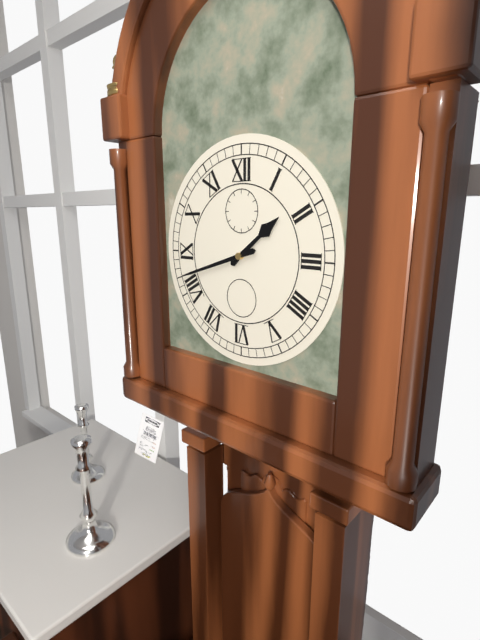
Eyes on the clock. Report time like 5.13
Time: 1.42
